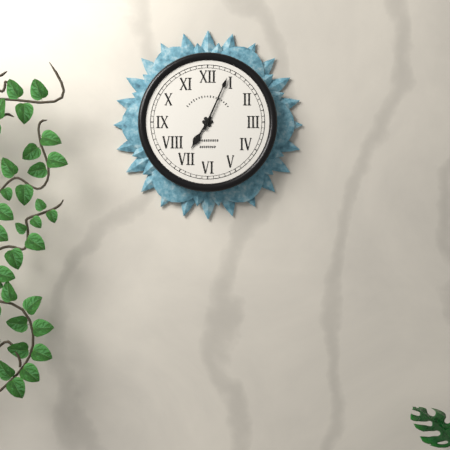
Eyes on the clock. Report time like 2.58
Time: 7.04
